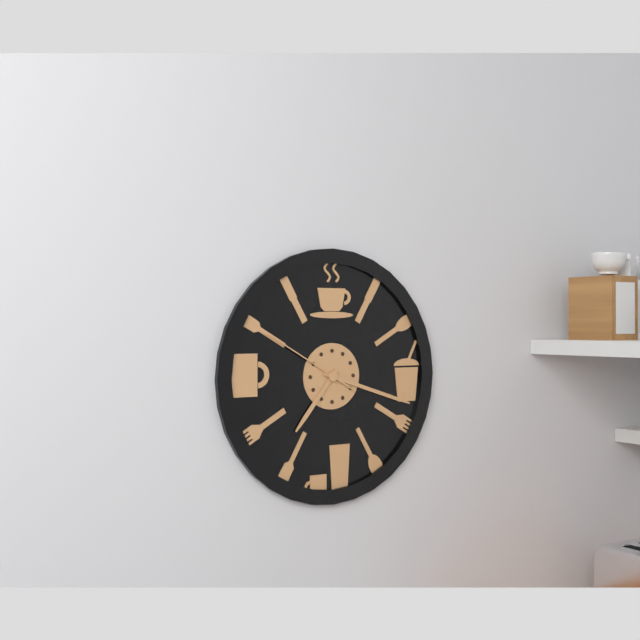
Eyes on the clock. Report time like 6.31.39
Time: 7.18.50
